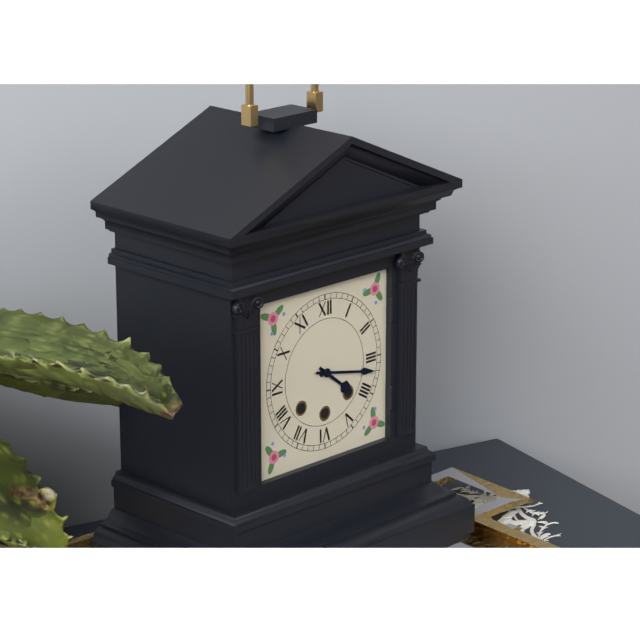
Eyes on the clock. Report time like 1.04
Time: 4.17
